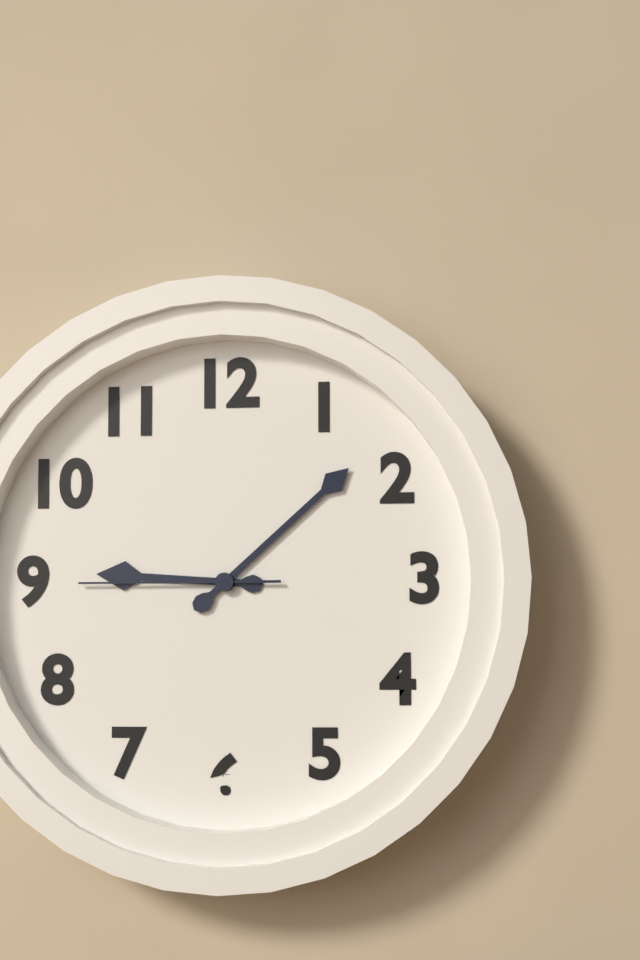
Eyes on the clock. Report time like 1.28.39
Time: 9.08.45
